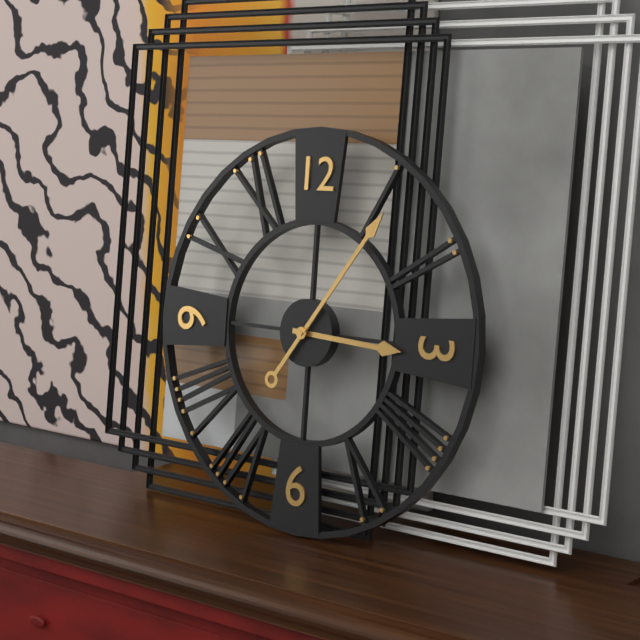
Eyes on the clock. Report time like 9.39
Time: 3.06
